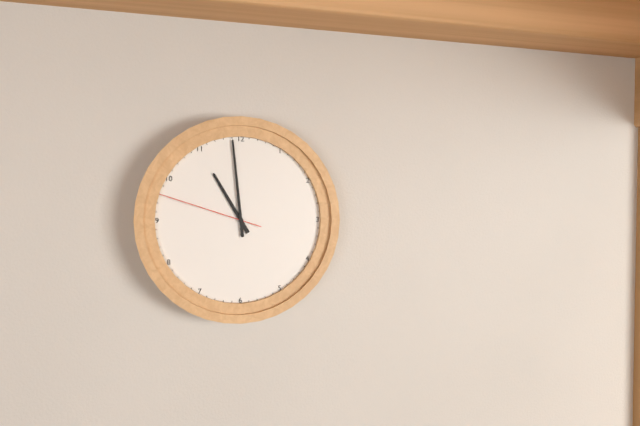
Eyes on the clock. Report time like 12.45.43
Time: 10.59.48
